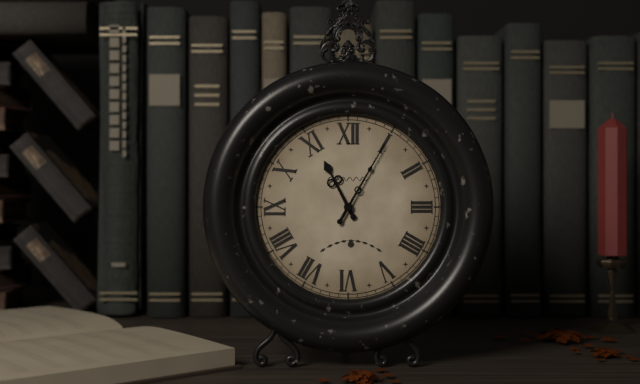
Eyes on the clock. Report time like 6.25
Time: 11.05
